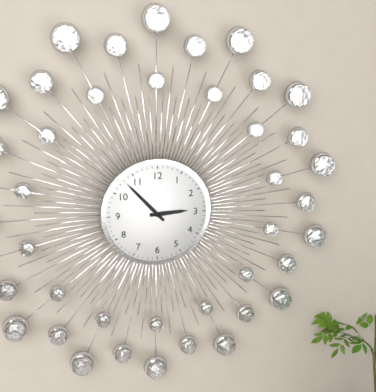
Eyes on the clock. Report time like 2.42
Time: 2.53
